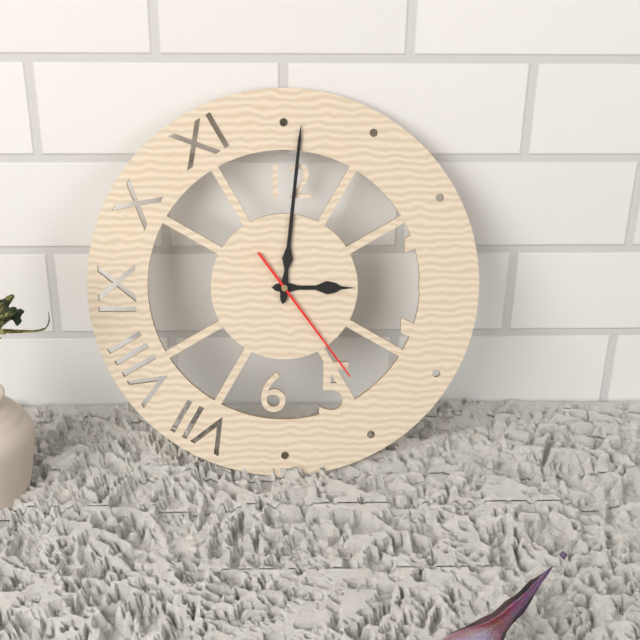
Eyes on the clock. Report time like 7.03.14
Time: 3.01.24
